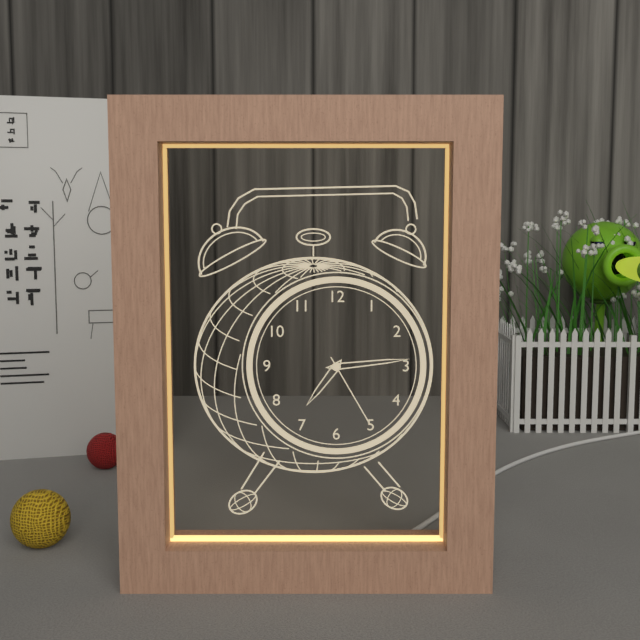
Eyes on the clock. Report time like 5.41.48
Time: 7.14.25
